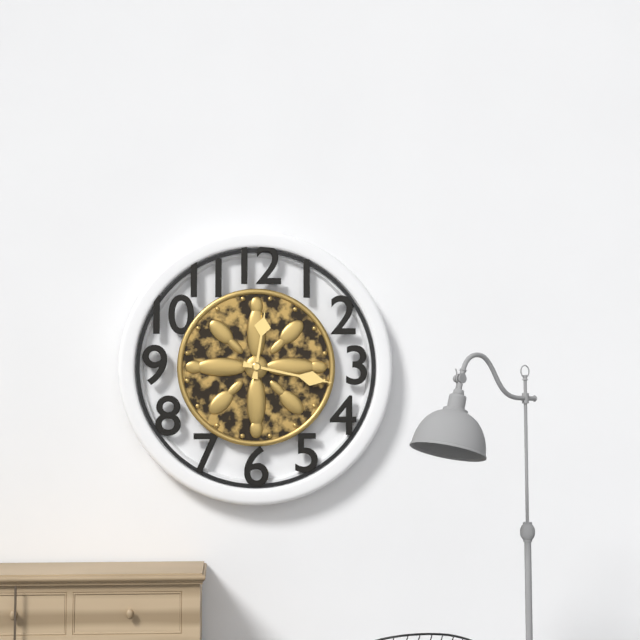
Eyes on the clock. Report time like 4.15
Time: 12.17
